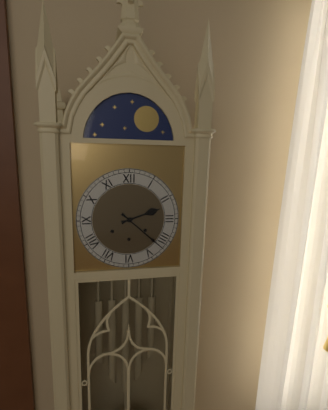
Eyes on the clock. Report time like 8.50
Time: 2.22
